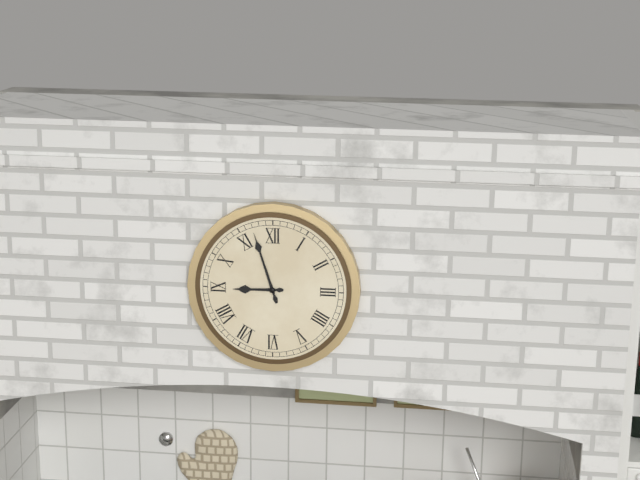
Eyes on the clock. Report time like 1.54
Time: 8.57
